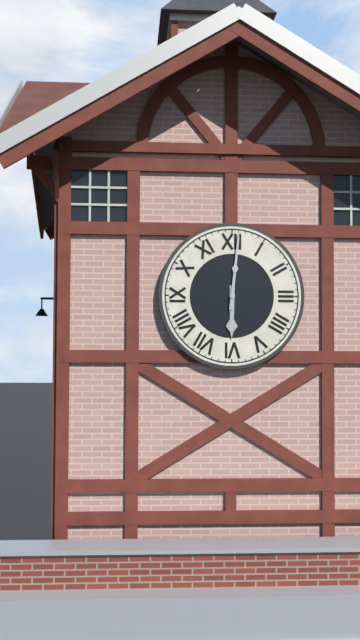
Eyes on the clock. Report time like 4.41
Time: 6.01
